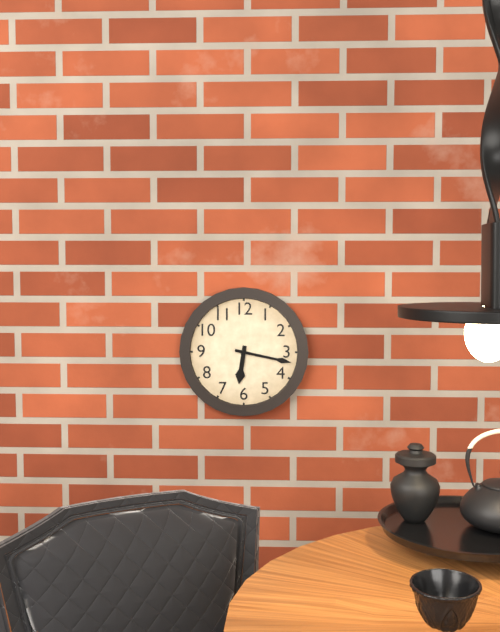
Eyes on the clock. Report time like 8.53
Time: 6.17
